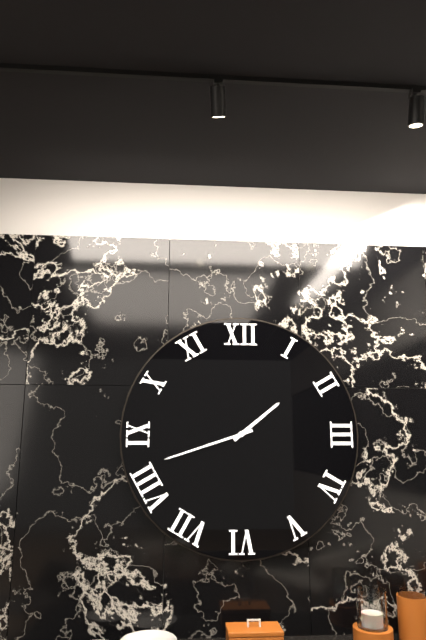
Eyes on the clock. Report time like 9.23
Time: 1.42
